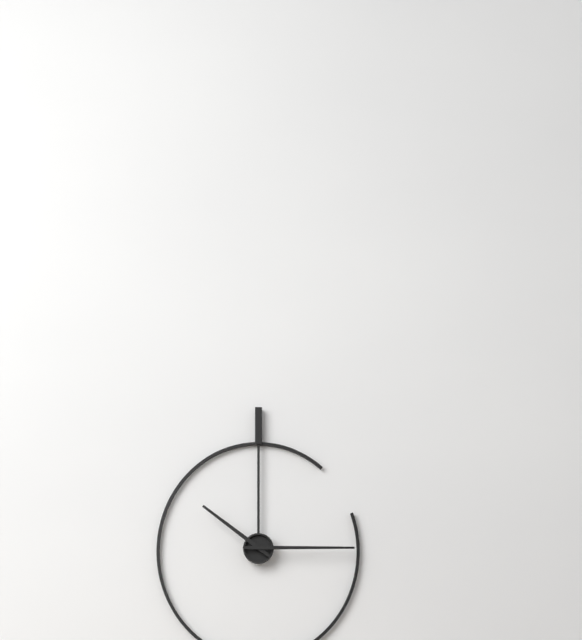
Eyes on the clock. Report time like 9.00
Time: 10.15
